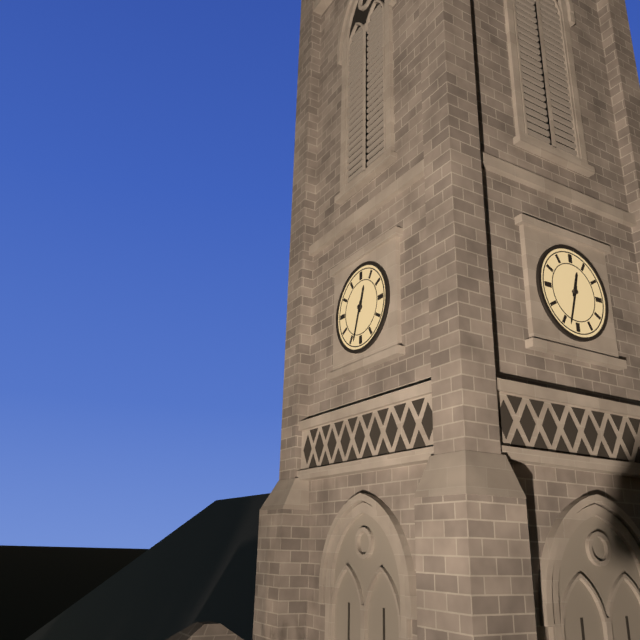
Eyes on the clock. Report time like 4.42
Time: 12.33
